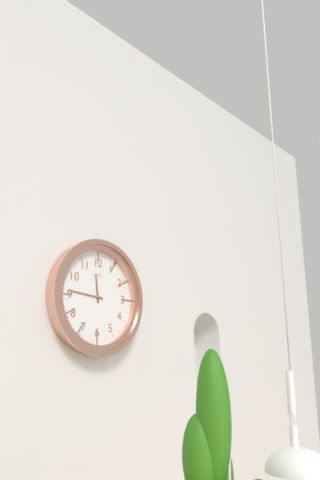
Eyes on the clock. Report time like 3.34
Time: 11.46
